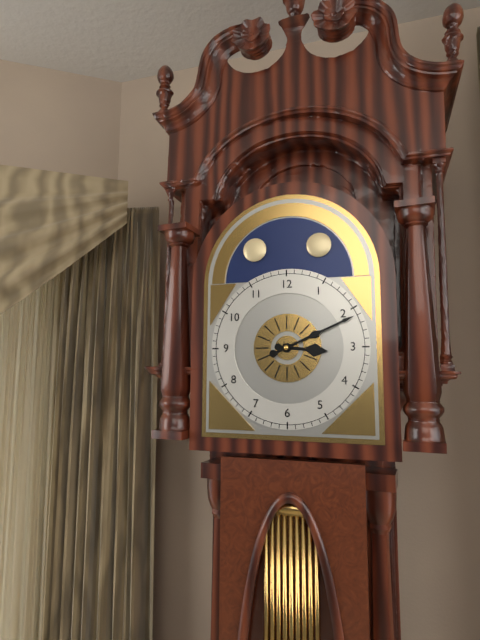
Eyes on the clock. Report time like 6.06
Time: 3.11
